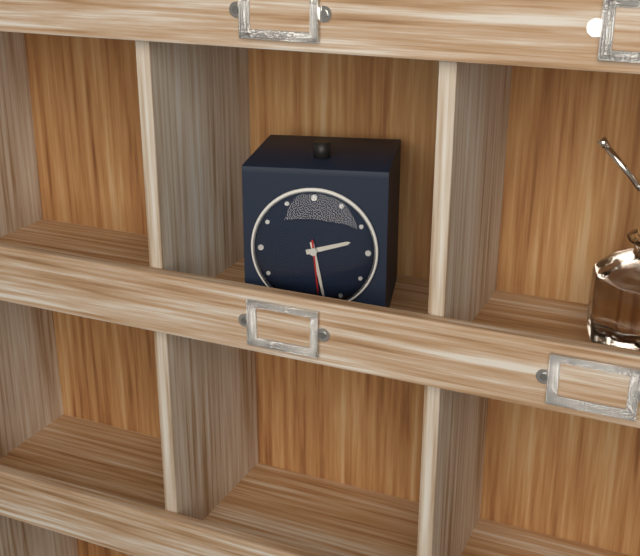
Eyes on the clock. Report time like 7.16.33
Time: 2.28.29
